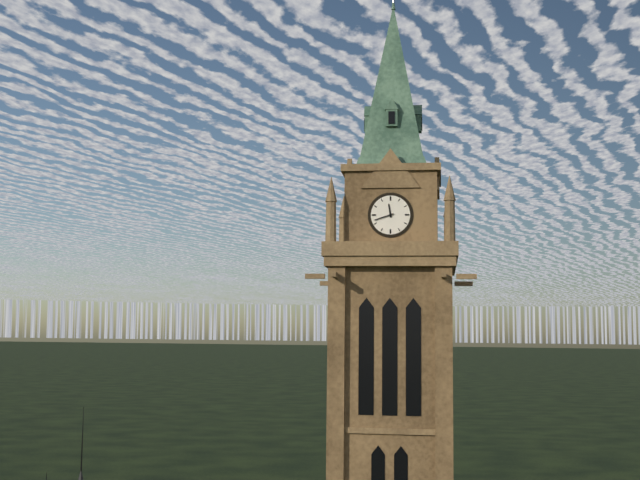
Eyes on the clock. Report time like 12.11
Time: 11.42
